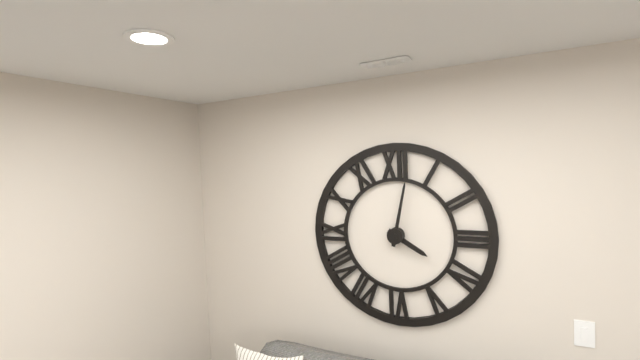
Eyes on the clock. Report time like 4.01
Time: 4.02
